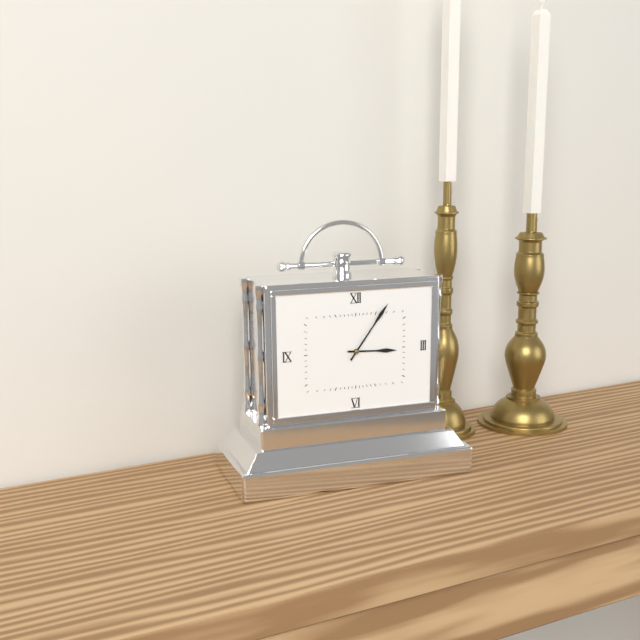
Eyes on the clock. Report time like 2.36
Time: 3.06
